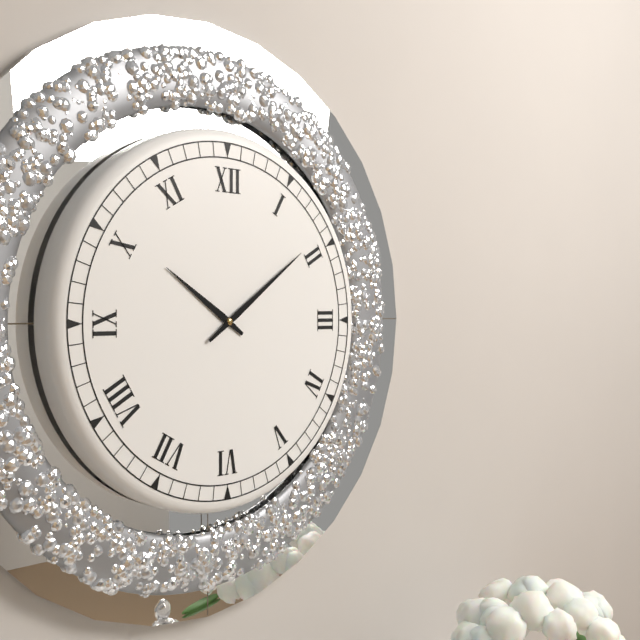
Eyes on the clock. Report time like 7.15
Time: 10.09
